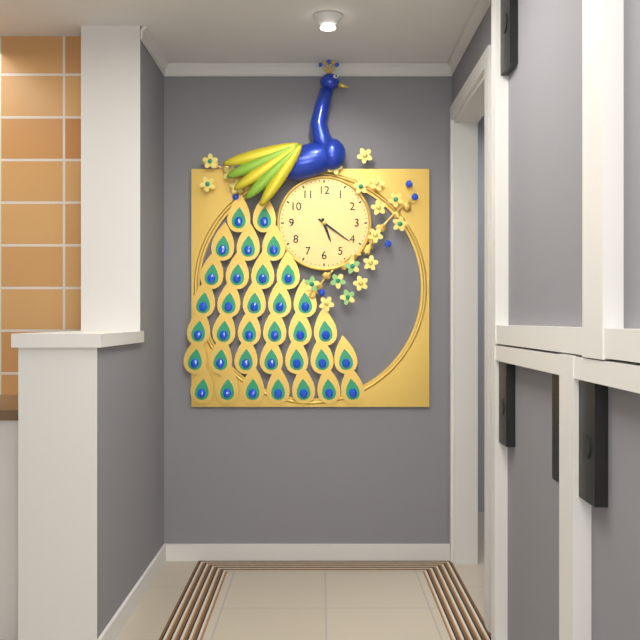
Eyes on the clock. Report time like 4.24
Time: 5.21
